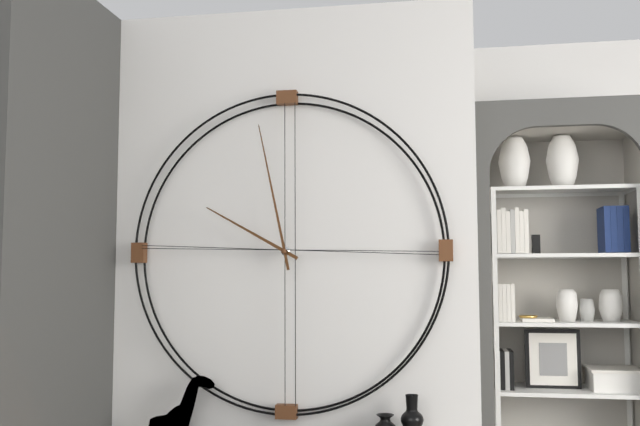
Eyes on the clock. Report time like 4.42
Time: 9.58
